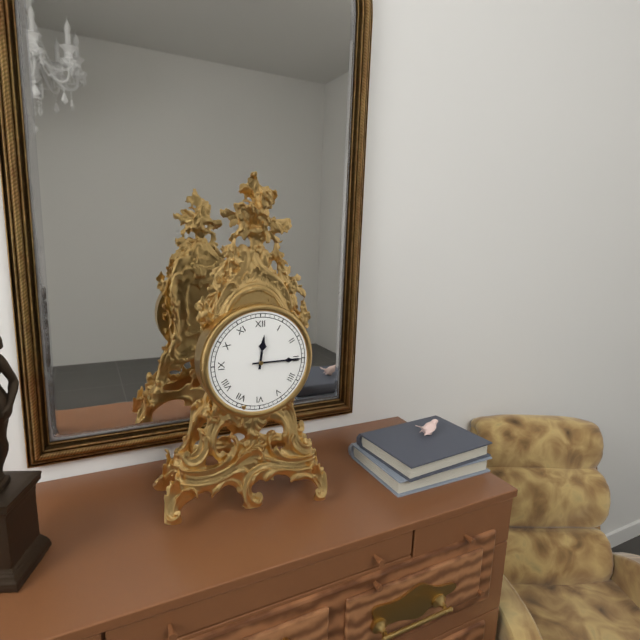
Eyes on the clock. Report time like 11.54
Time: 12.15
